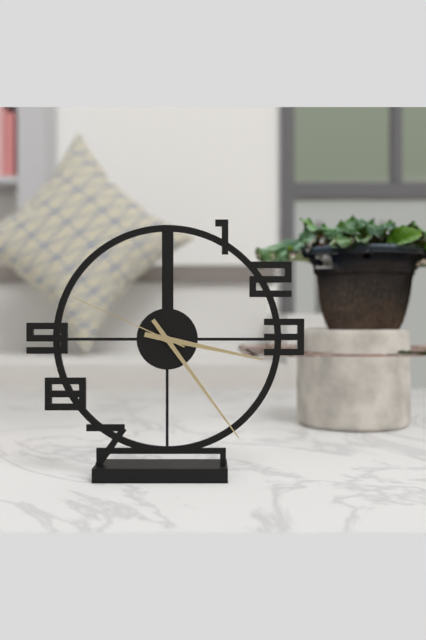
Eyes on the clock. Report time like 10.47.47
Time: 3.24.49
